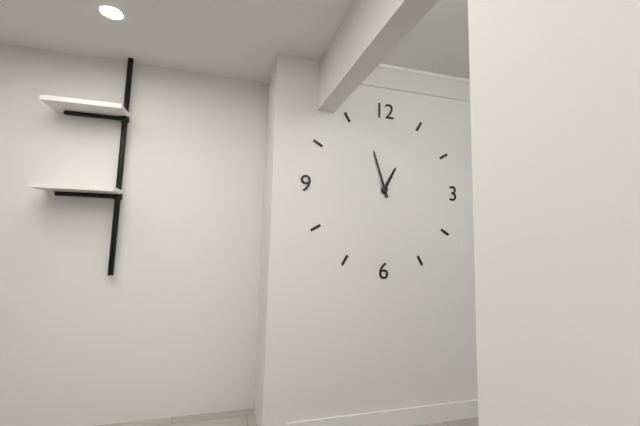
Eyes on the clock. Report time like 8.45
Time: 12.57
